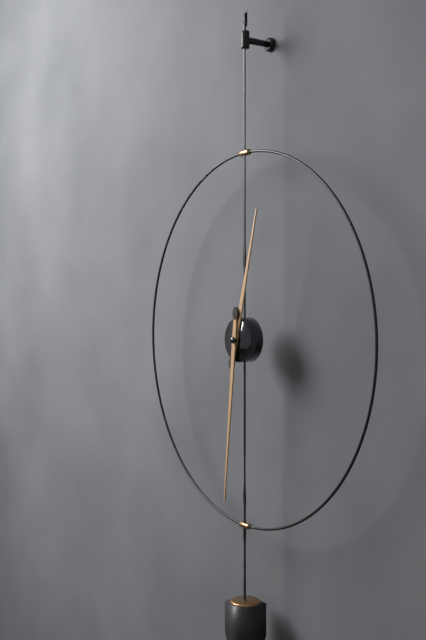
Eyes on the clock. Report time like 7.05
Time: 12.31
